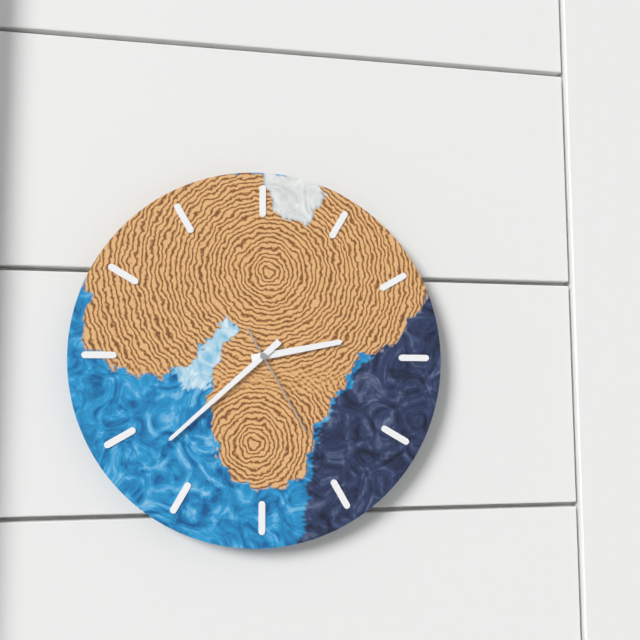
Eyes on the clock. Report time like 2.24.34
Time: 2.38.25
